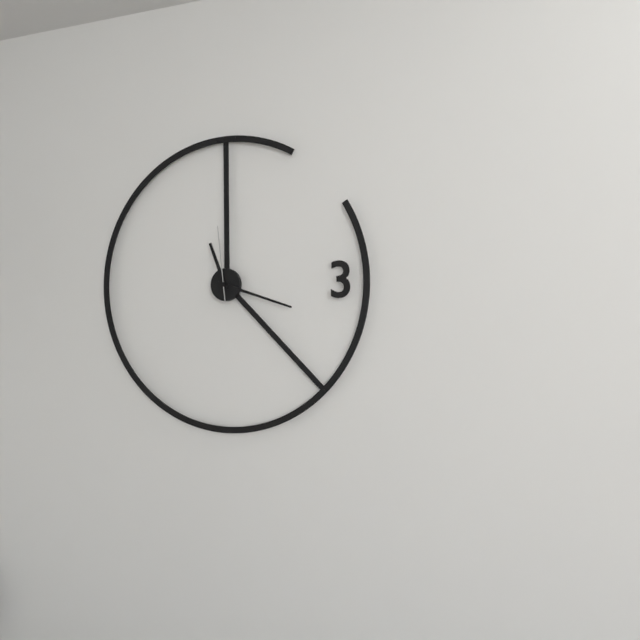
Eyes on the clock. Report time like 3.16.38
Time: 11.18.59
